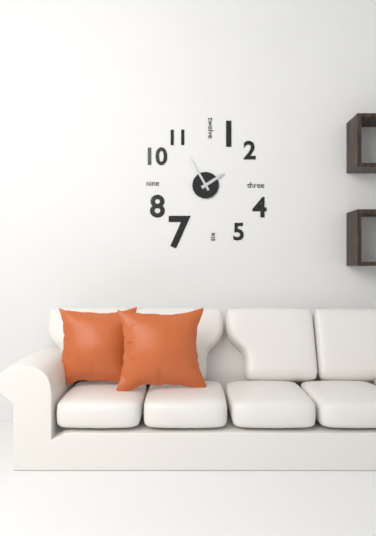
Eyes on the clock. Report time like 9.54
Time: 1.55
